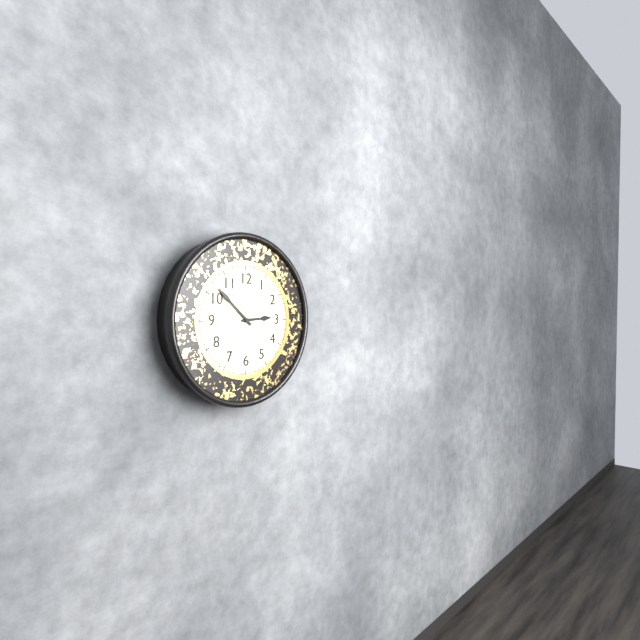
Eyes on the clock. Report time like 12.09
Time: 2.52
